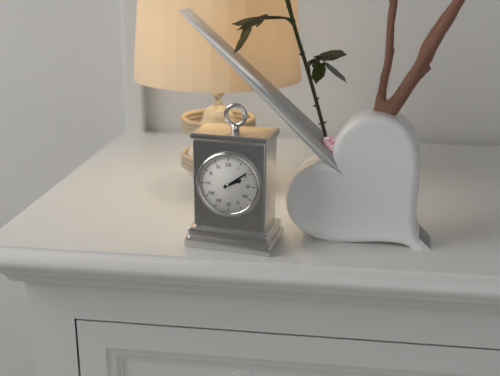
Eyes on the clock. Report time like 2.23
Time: 2.09
